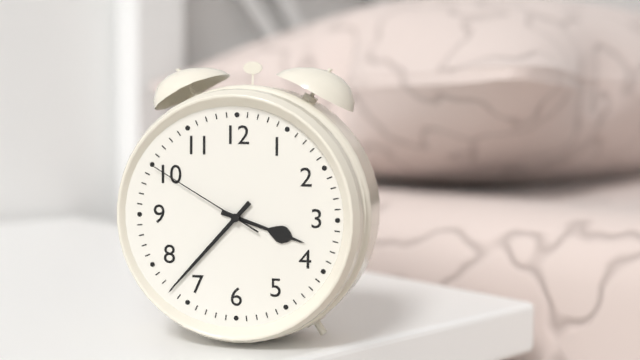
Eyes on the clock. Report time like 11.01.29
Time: 3.37.50
